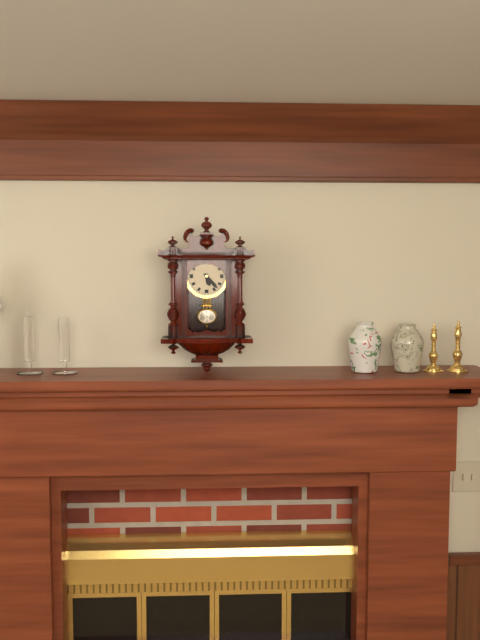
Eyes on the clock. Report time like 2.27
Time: 5.23
